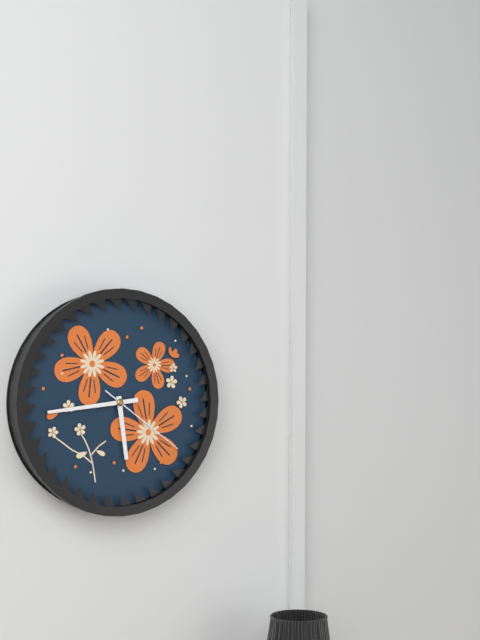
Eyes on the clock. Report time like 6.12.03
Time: 5.44.21
